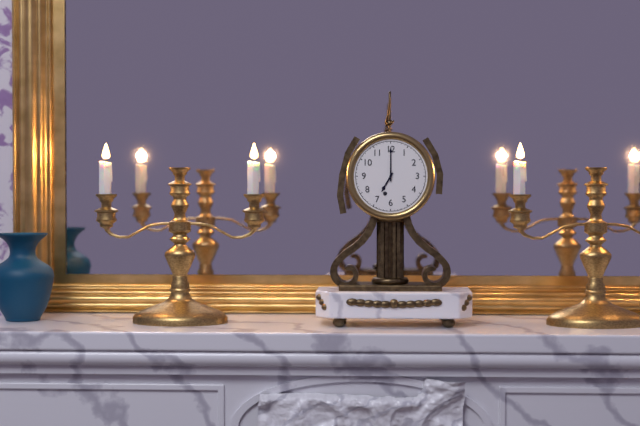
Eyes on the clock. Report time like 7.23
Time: 7.00
